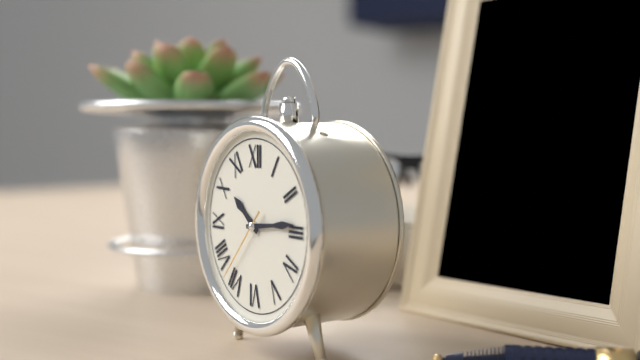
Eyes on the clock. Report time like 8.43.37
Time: 10.14.37
